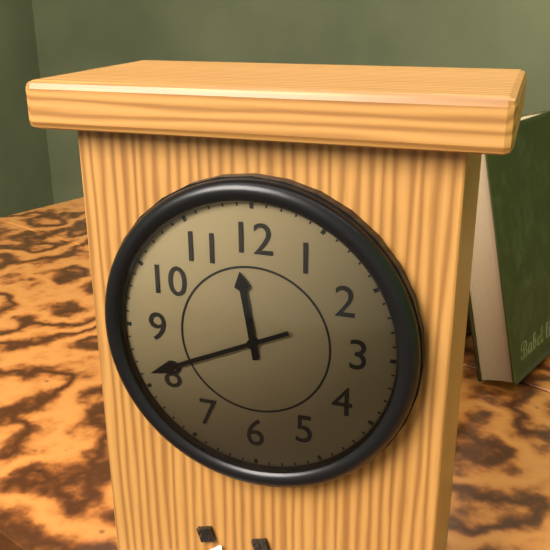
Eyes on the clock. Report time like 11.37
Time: 11.41
